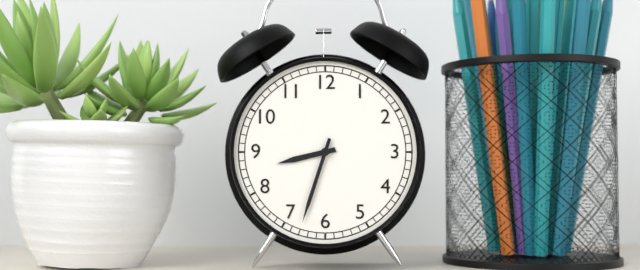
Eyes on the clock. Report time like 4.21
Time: 8.33
